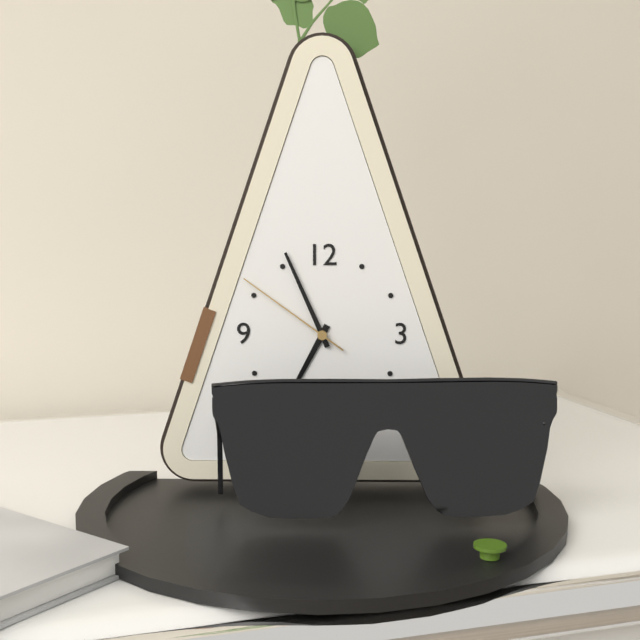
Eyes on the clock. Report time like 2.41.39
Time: 6.56.51
